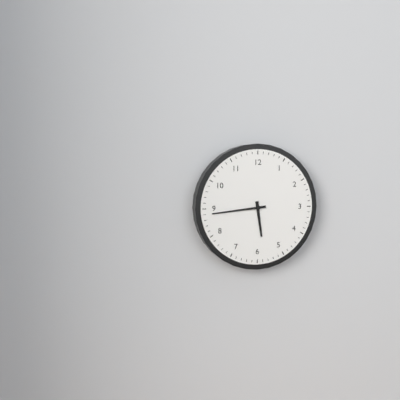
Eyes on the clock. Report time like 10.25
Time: 5.44
